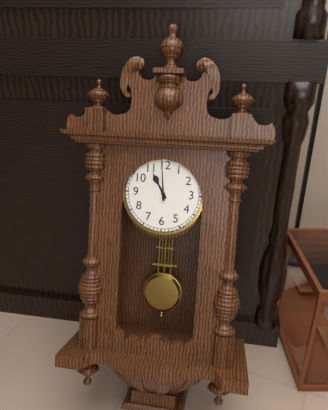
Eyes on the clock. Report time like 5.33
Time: 10.59
